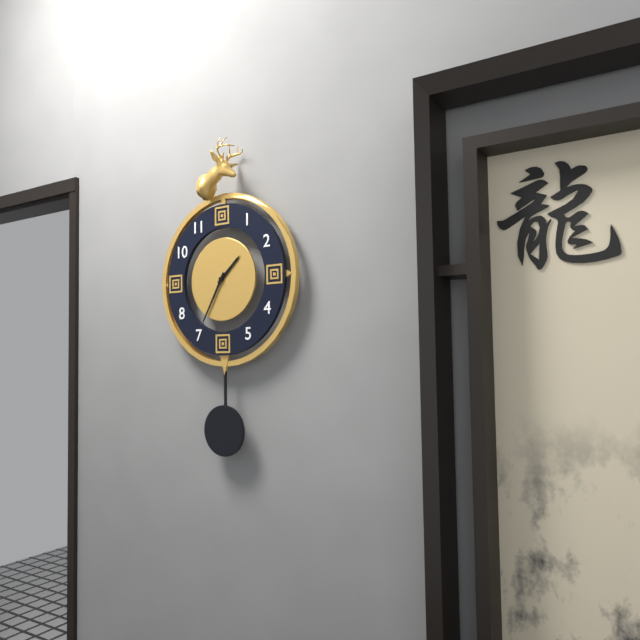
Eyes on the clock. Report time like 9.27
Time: 1.35
